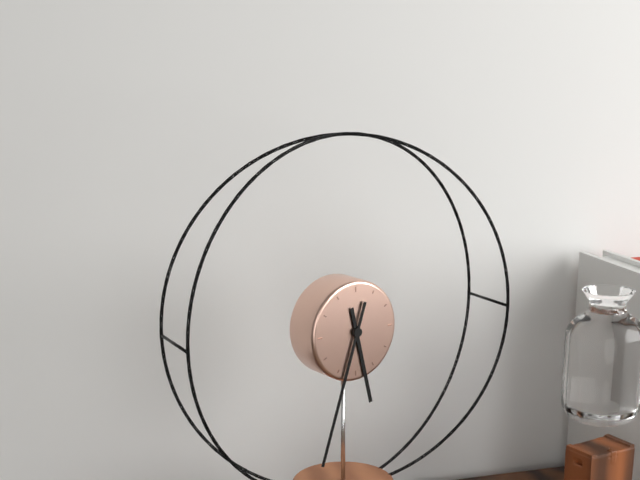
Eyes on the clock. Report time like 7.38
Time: 5.33
